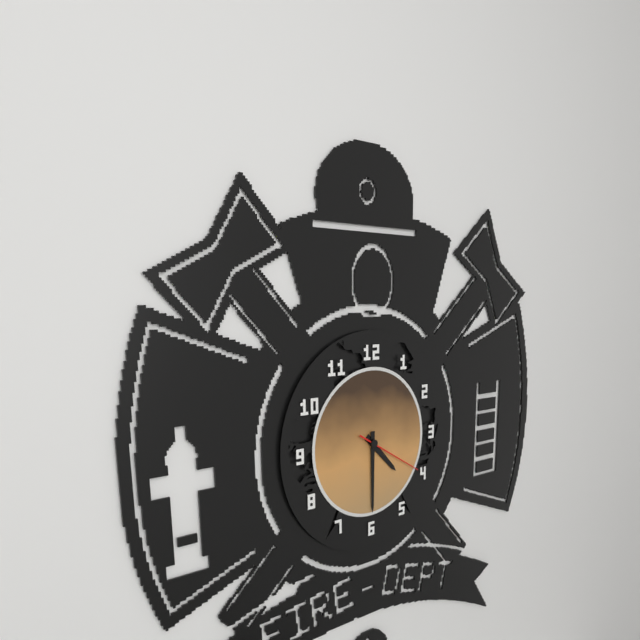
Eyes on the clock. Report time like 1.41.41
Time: 4.30.20
